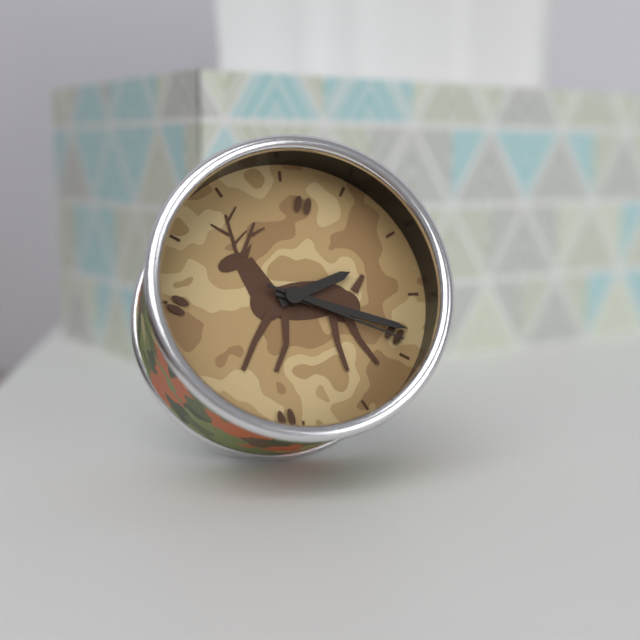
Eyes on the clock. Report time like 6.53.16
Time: 2.18.19
